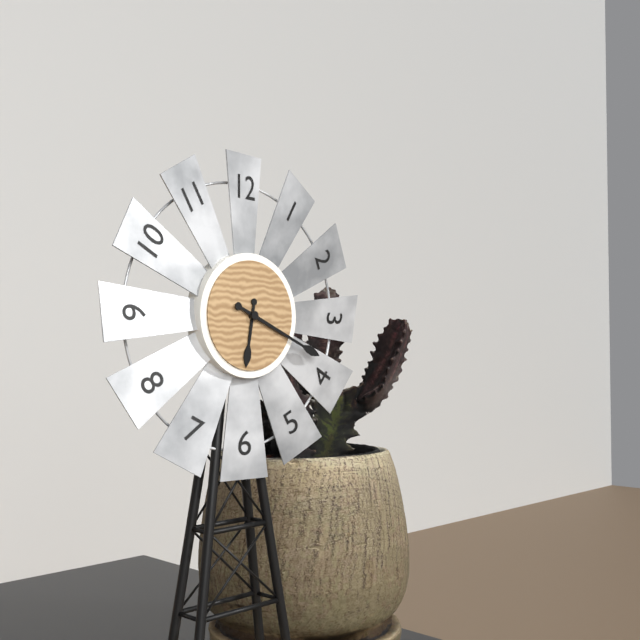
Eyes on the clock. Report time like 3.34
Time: 6.19
